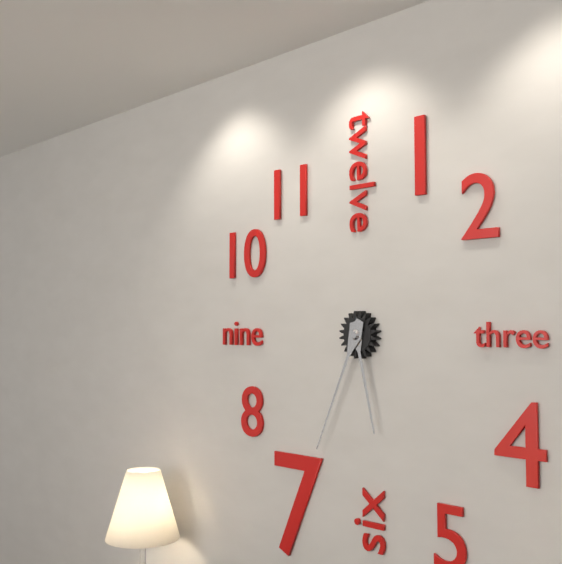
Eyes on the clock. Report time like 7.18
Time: 5.34
